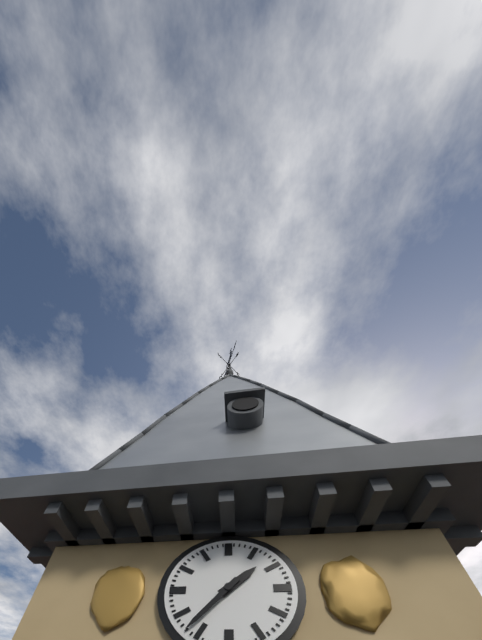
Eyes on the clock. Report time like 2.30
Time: 1.37
